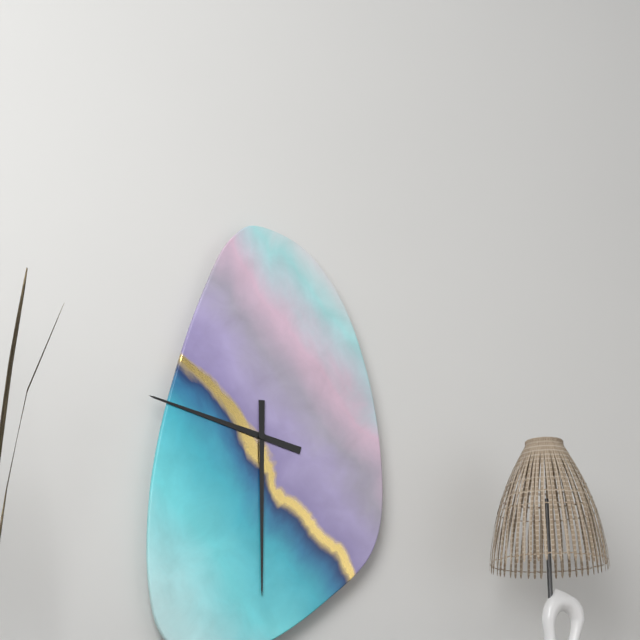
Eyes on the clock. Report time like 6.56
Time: 9.30
